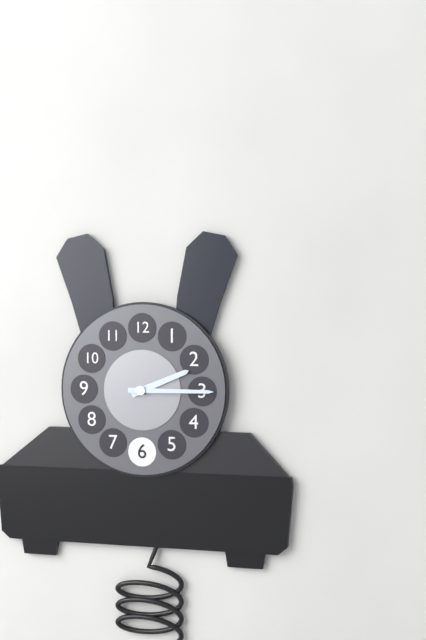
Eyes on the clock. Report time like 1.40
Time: 2.15
